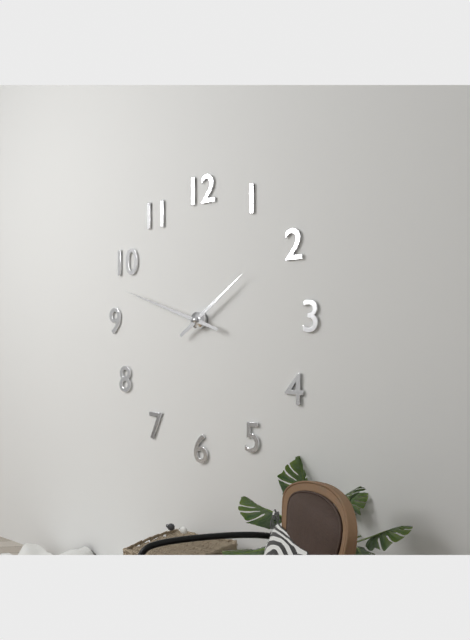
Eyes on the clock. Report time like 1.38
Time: 1.48
